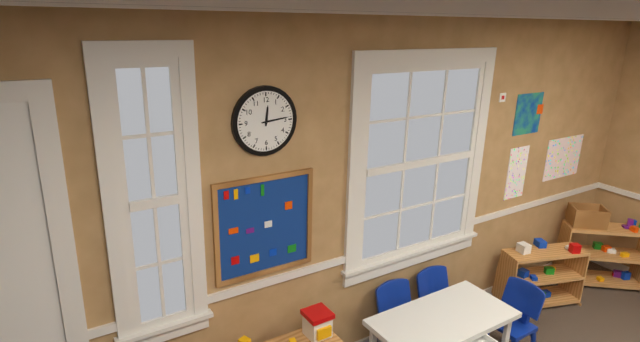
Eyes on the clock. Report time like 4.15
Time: 12.14
